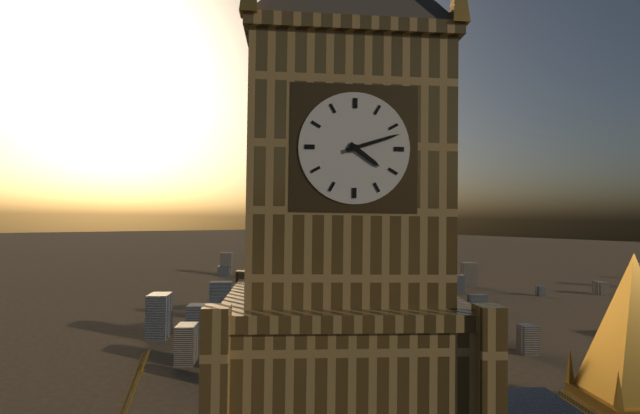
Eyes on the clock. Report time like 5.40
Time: 4.12
